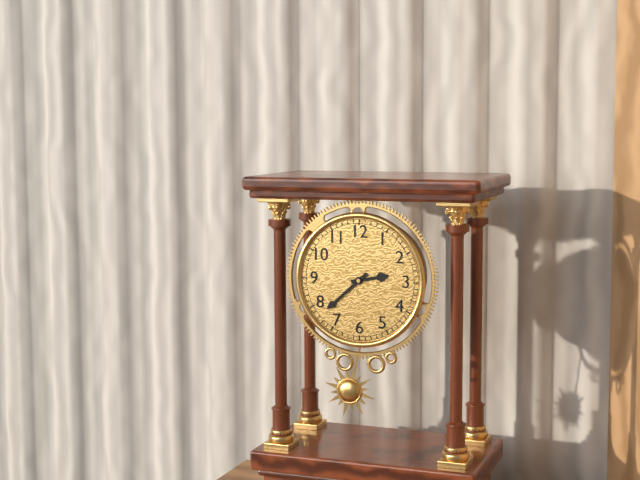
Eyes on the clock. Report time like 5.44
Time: 2.38
